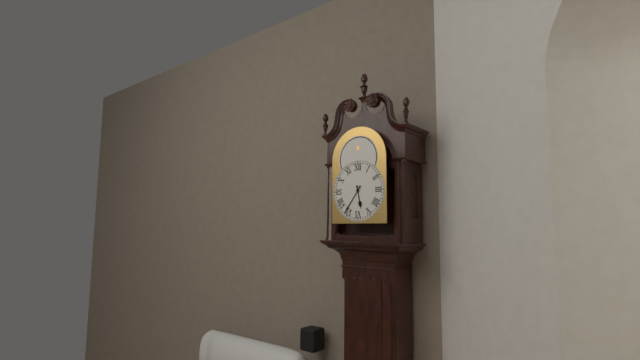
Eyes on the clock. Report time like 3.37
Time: 5.36
